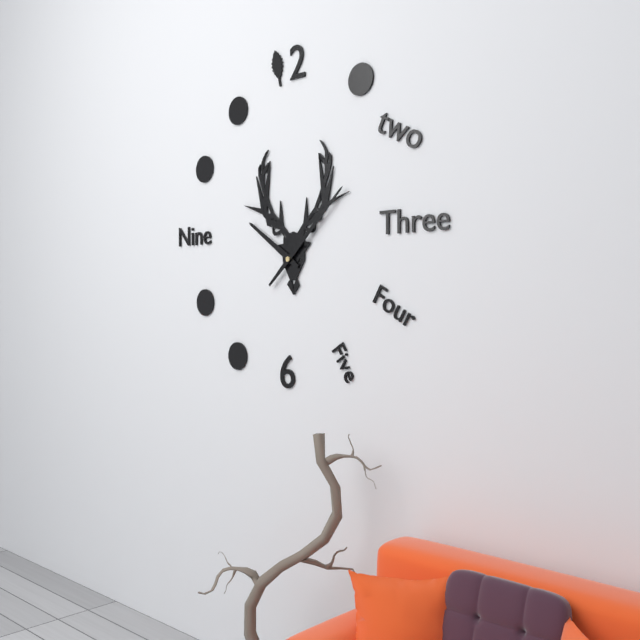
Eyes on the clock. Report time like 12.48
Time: 10.08
